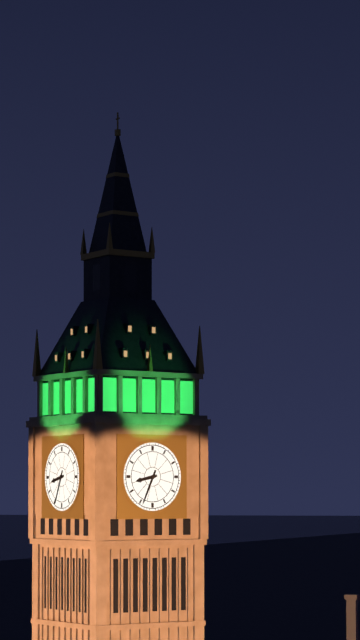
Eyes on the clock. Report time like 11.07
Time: 8.34
